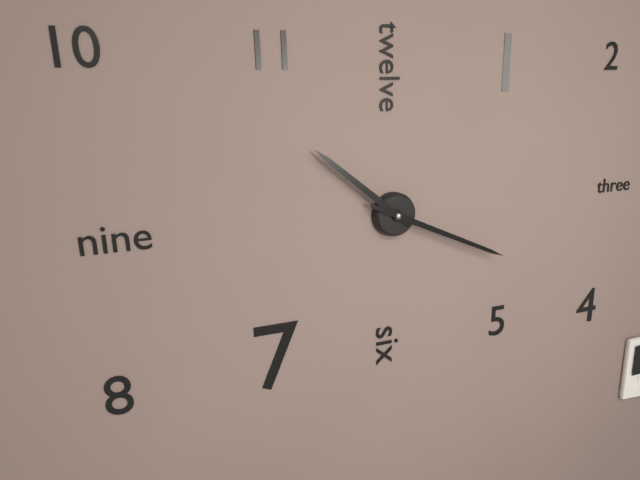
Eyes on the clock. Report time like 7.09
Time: 10.19
